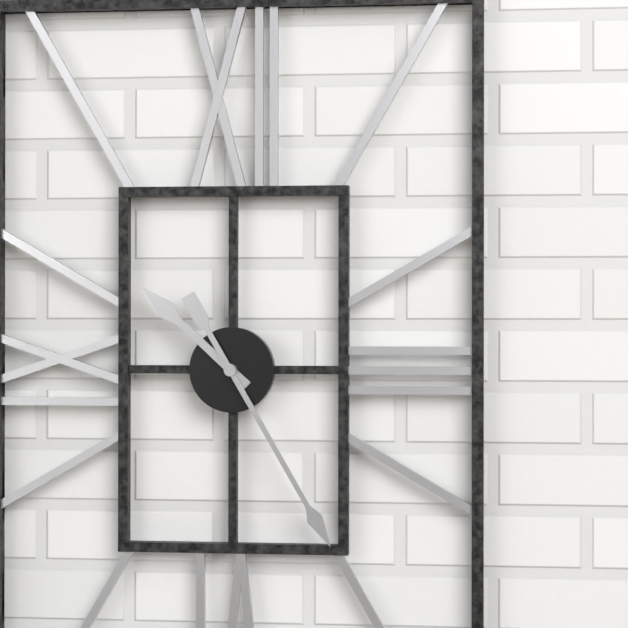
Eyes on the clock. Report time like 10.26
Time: 10.25
